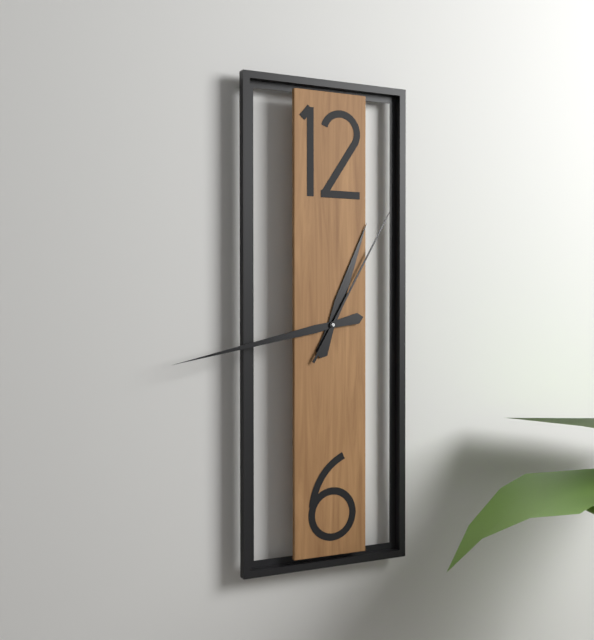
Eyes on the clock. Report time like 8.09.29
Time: 12.43.05
